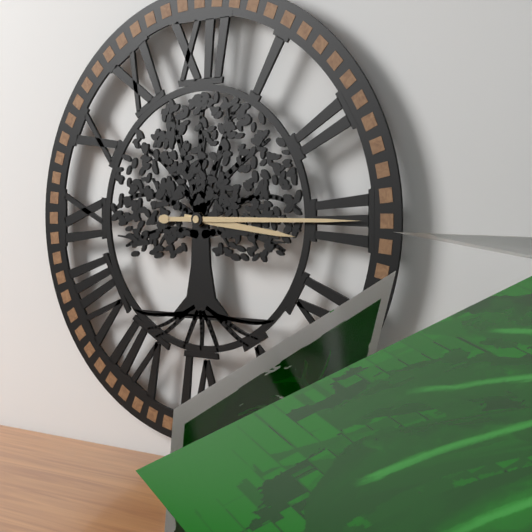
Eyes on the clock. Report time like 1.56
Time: 3.15
